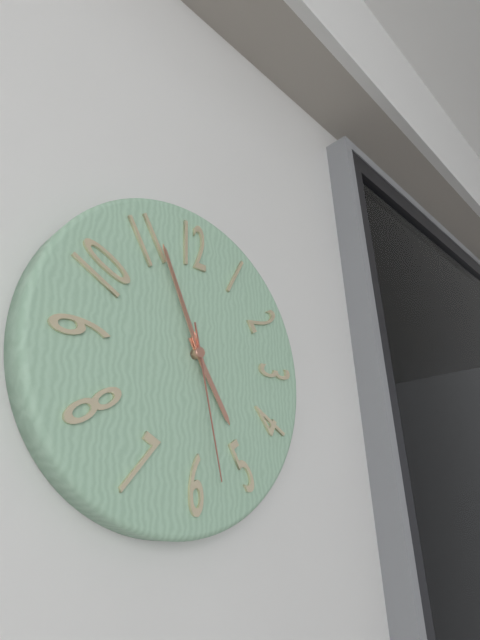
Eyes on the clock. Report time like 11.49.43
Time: 4.56.28
